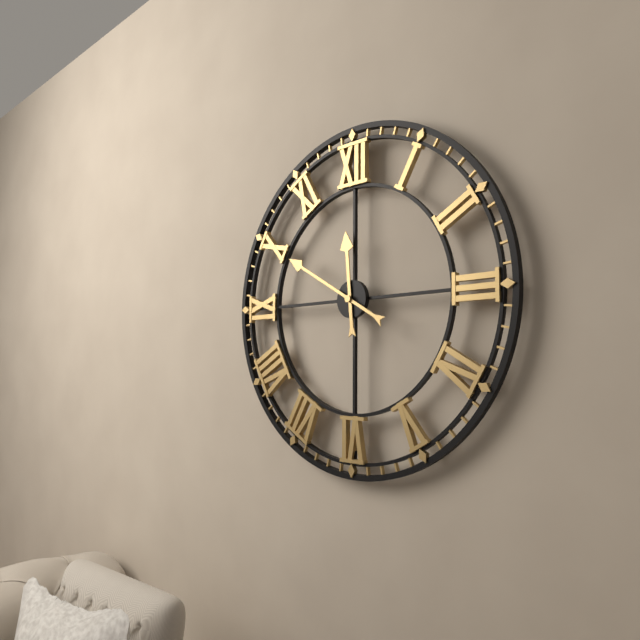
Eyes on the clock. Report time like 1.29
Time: 11.50
